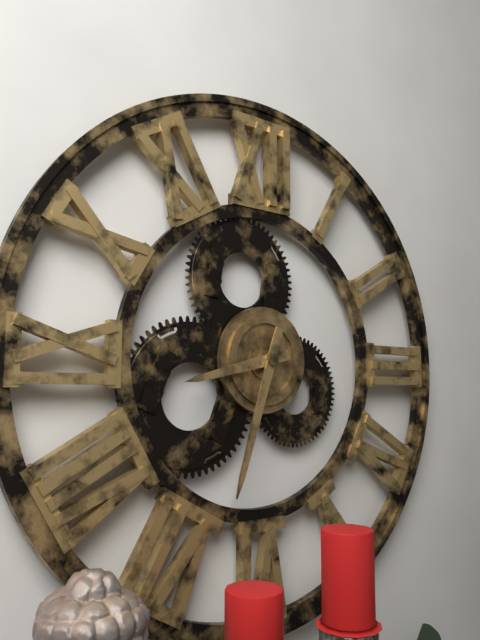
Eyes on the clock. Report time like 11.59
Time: 8.33
